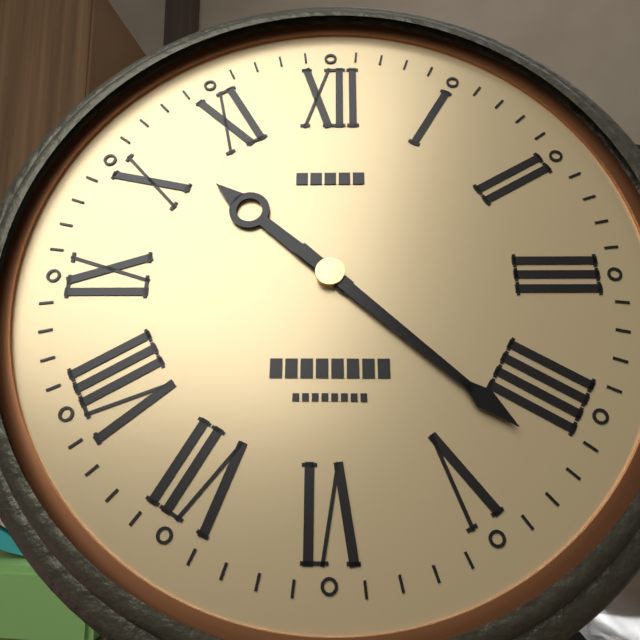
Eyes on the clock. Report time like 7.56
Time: 10.22
